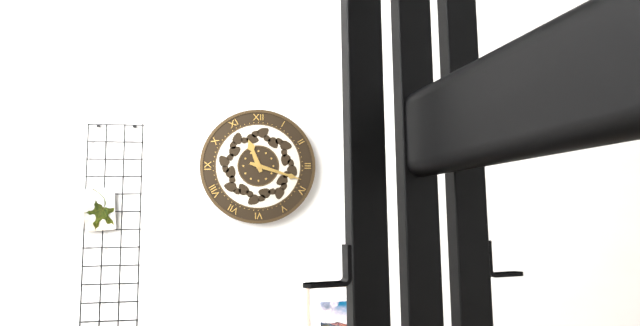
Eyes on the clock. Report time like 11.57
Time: 11.18
